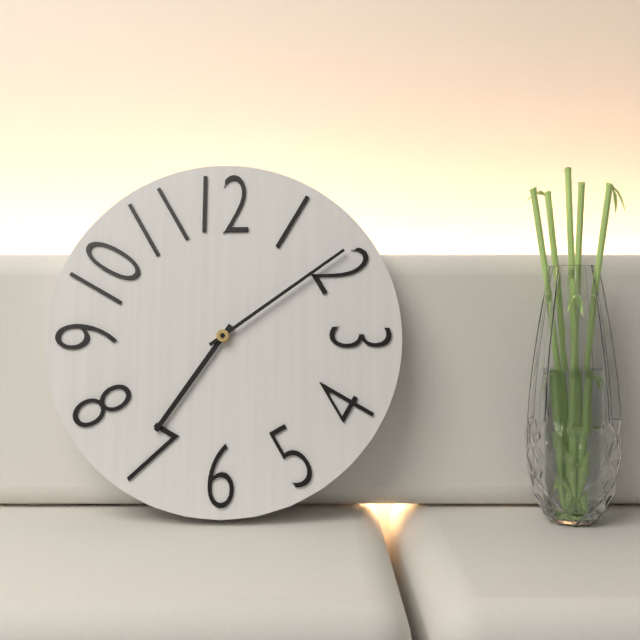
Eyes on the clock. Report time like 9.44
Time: 7.09
